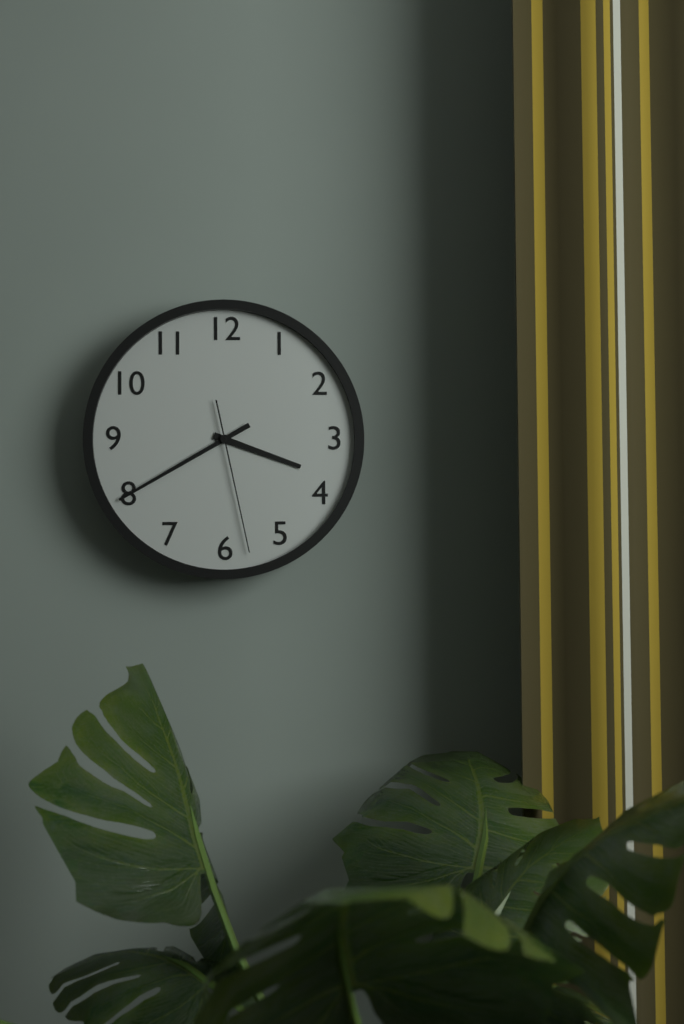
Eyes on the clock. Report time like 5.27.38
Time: 3.40.28
